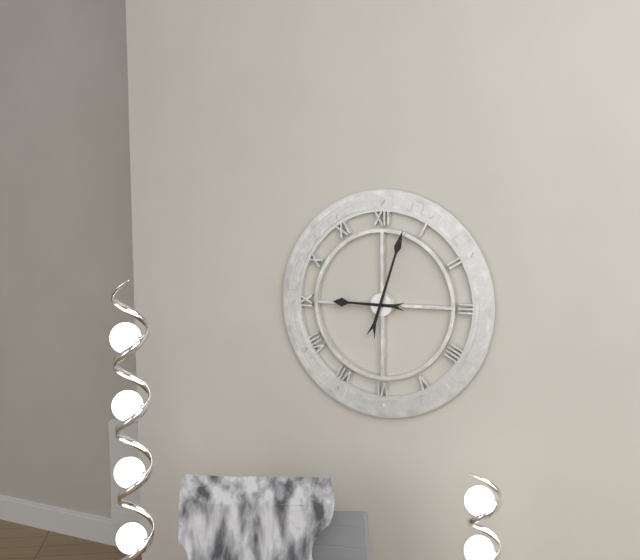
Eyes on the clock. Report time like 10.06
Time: 9.03
